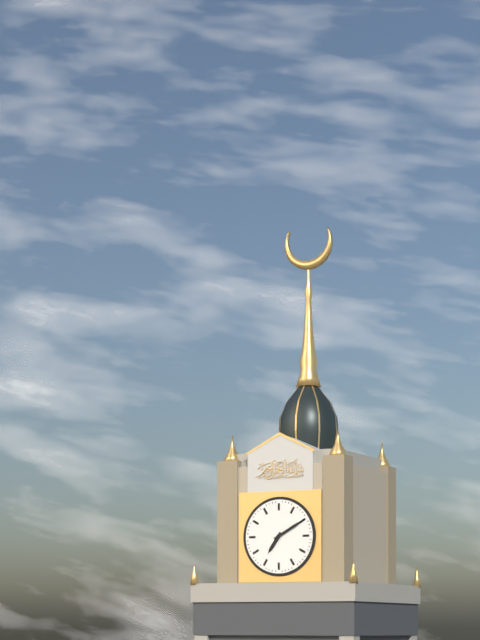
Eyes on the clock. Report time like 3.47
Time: 7.10
